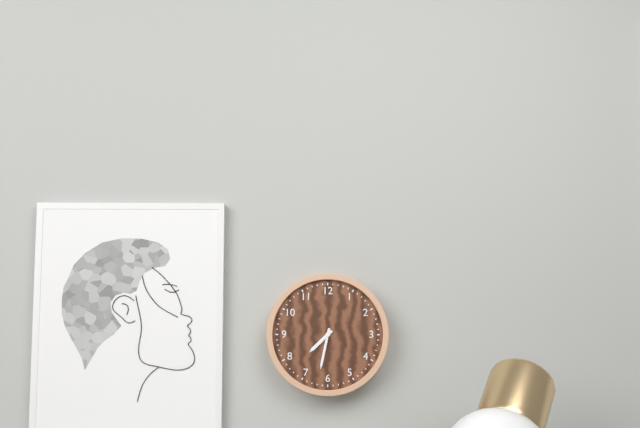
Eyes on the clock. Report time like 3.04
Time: 7.32
